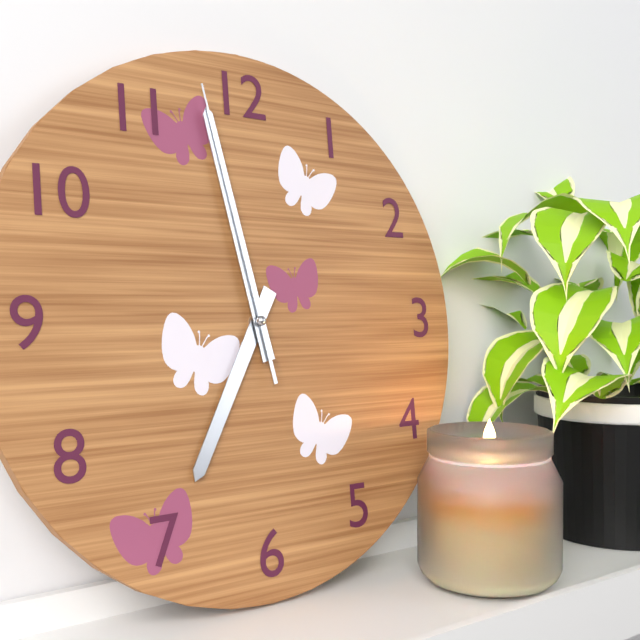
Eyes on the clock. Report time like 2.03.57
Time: 6.58.58
